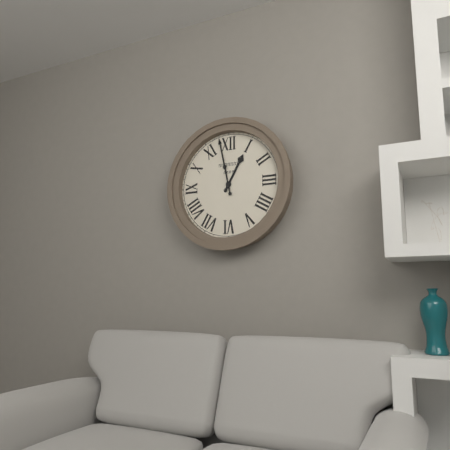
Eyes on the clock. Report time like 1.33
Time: 12.58
